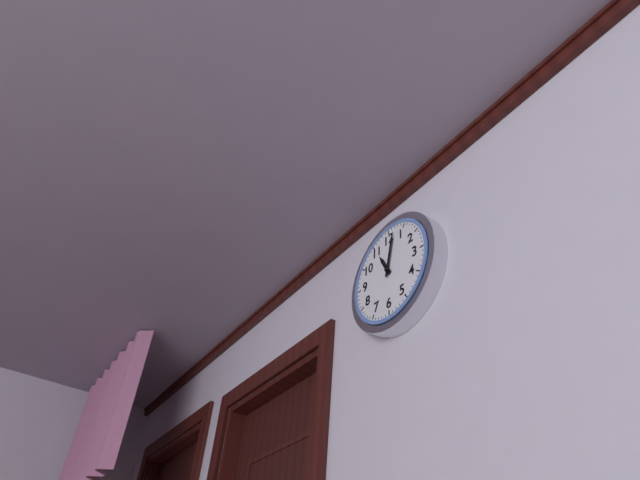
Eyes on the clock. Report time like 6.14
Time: 11.02
